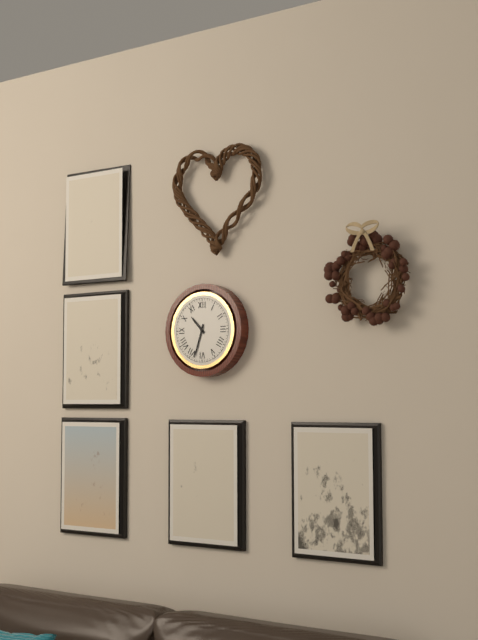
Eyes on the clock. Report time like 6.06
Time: 10.33
